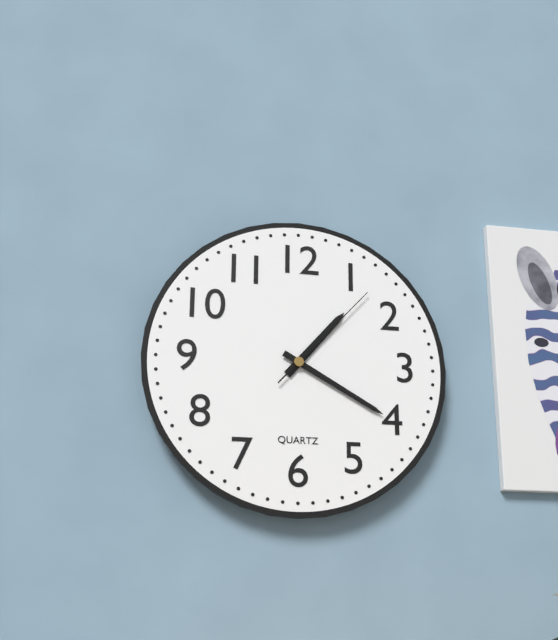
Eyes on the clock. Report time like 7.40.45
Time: 1.20.07
